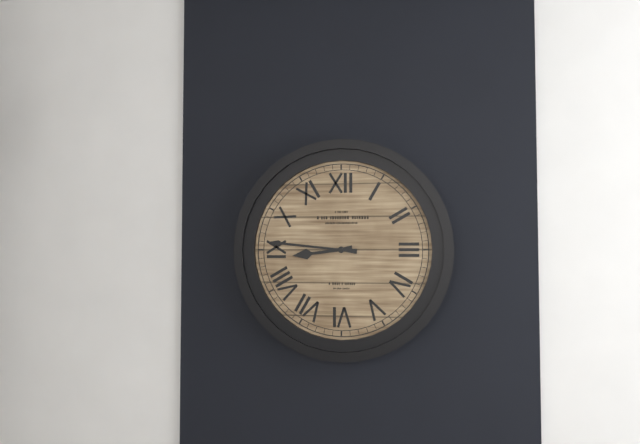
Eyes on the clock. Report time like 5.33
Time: 8.46
